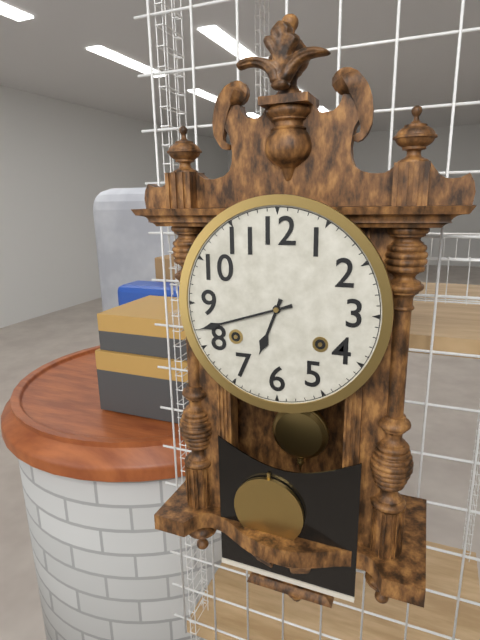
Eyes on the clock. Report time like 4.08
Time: 6.42
